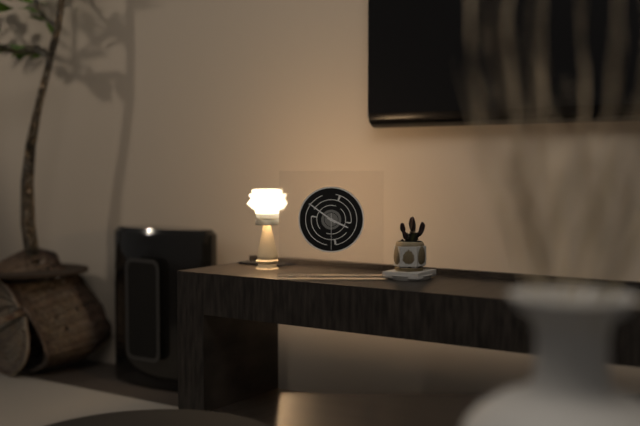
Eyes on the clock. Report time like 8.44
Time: 3.51
